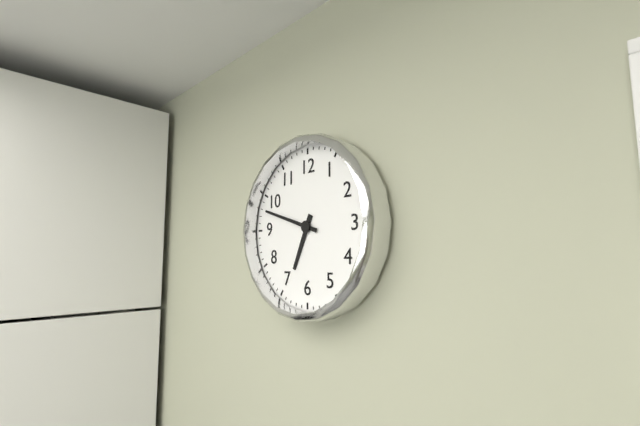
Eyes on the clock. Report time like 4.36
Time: 6.48
